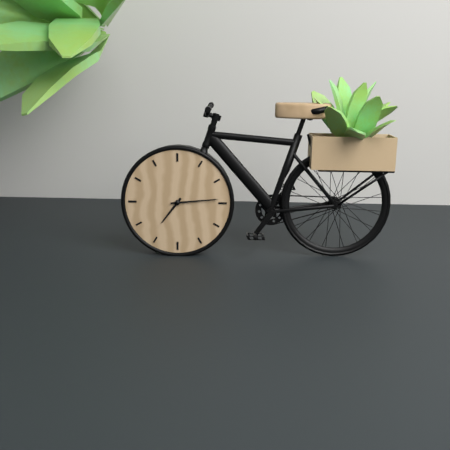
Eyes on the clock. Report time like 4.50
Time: 7.14
